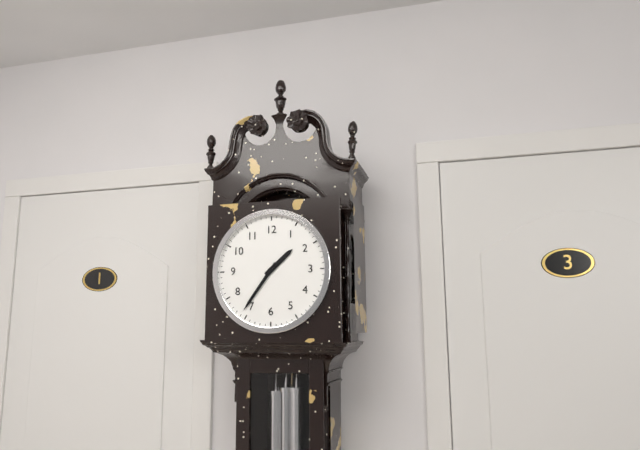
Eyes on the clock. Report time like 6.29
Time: 1.36
